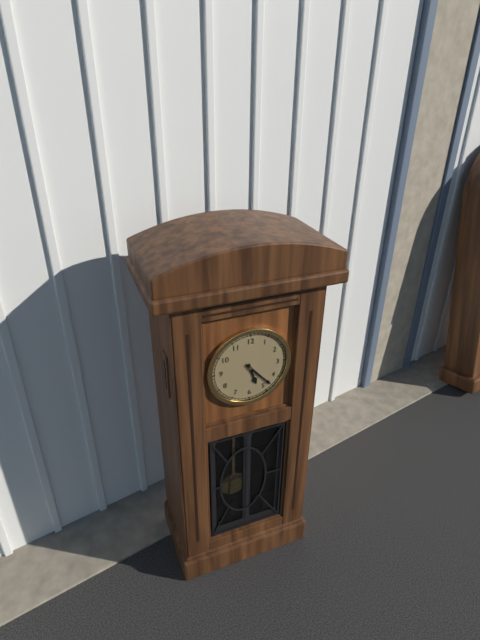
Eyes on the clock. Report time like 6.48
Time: 5.23
